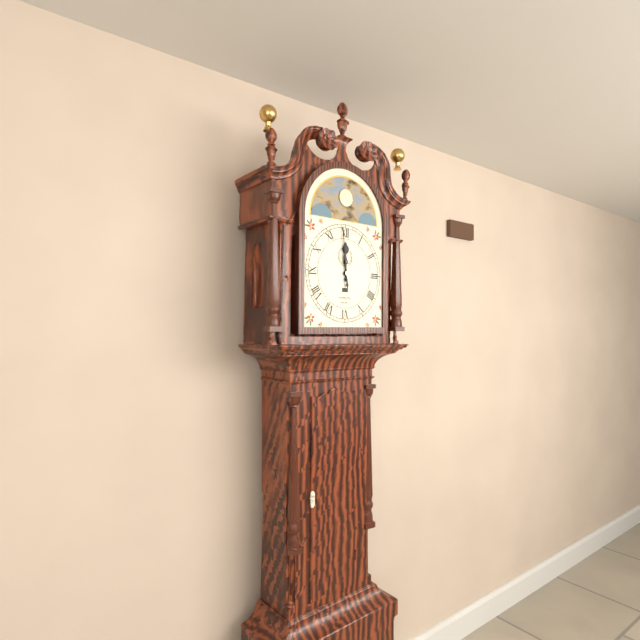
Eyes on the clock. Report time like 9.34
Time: 11.59
